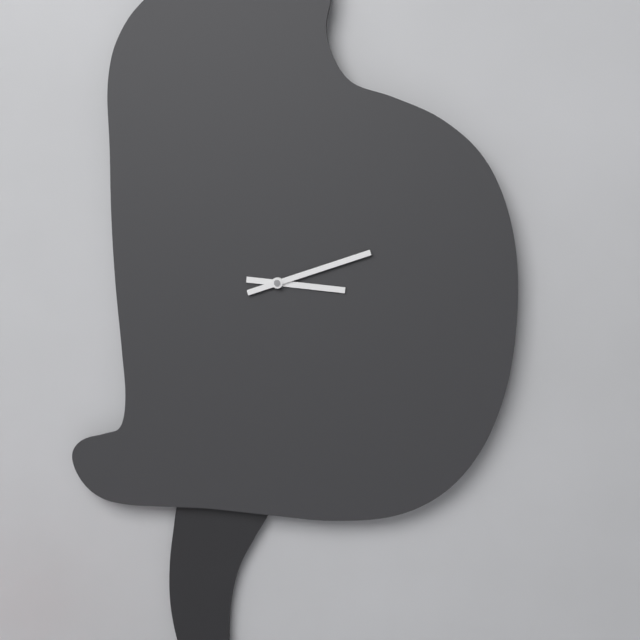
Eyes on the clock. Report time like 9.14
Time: 3.12
